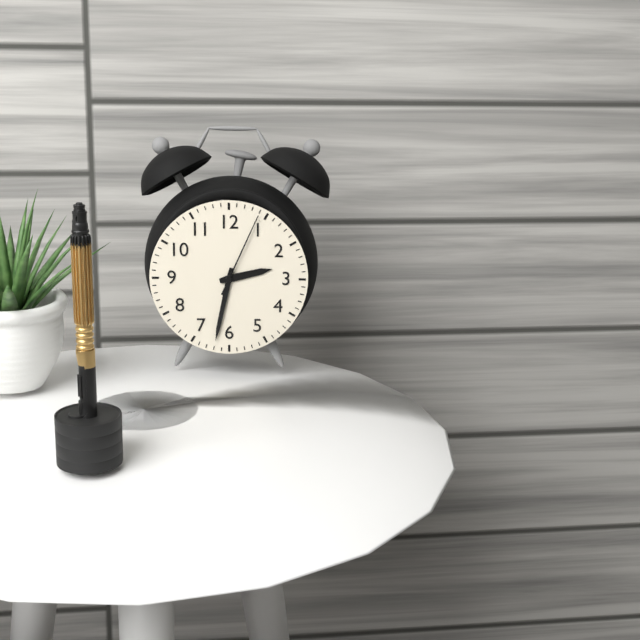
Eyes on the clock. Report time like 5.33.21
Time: 2.32.04
